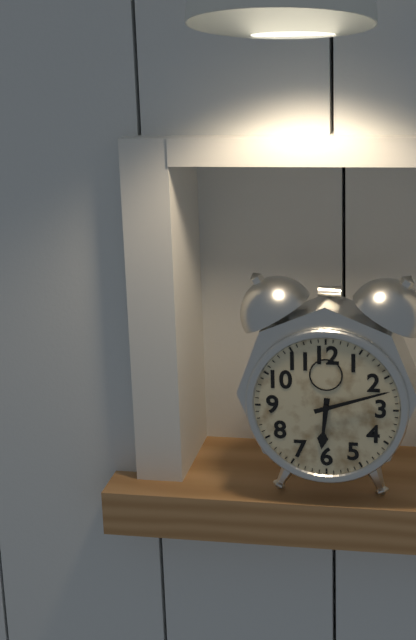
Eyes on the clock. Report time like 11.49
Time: 6.12
